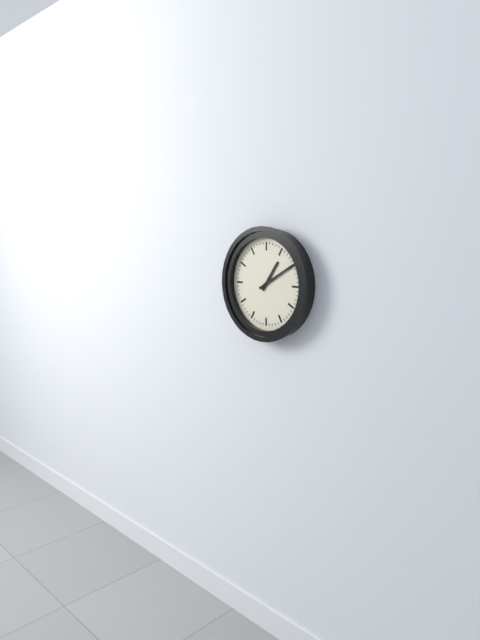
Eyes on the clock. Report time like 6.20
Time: 1.10
